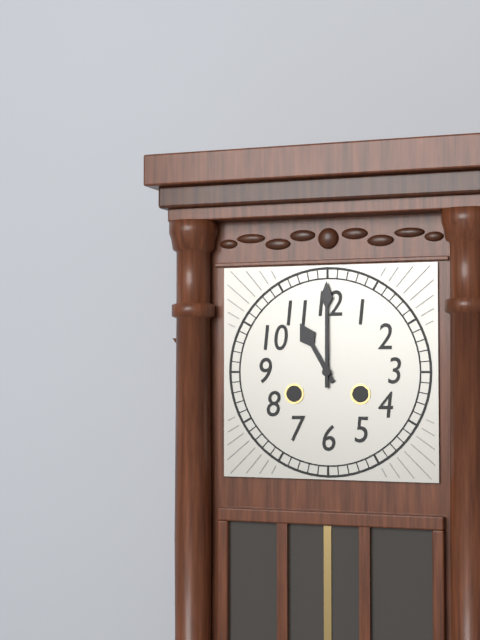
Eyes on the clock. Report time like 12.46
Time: 11.00
